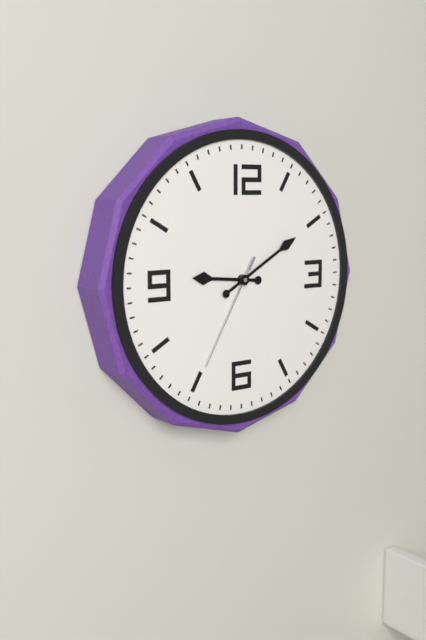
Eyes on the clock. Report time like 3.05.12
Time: 9.10.35
